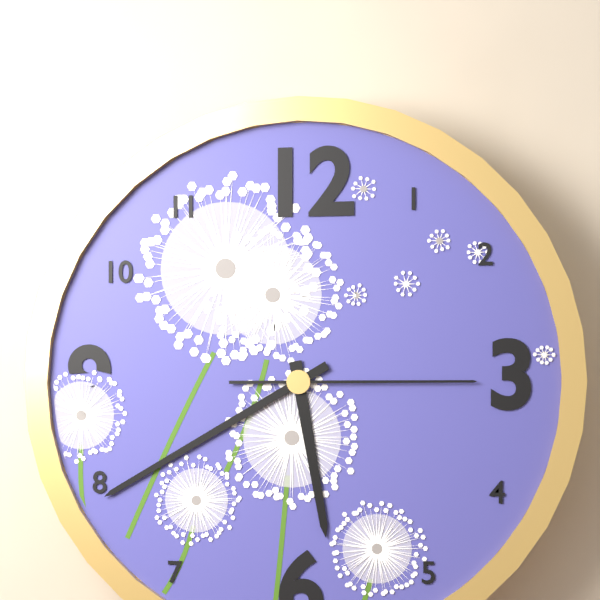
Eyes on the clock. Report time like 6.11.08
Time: 5.40.15
